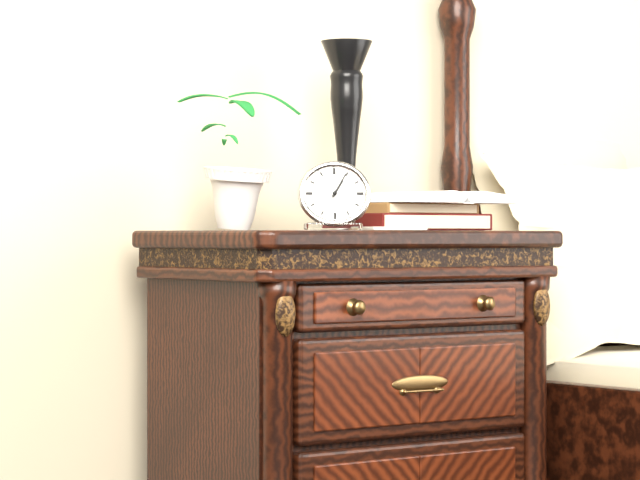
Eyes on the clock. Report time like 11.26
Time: 1.05
